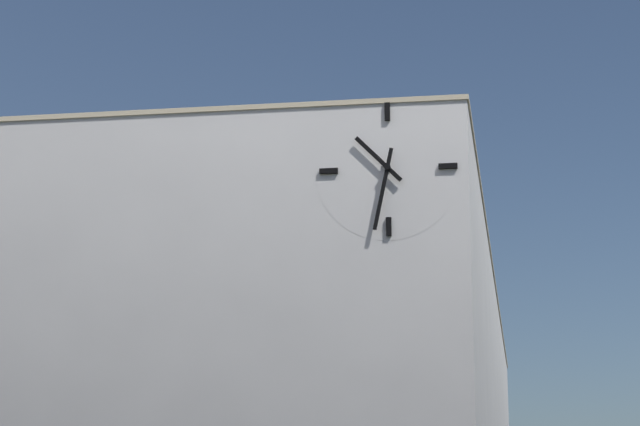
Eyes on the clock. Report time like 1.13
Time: 10.32
